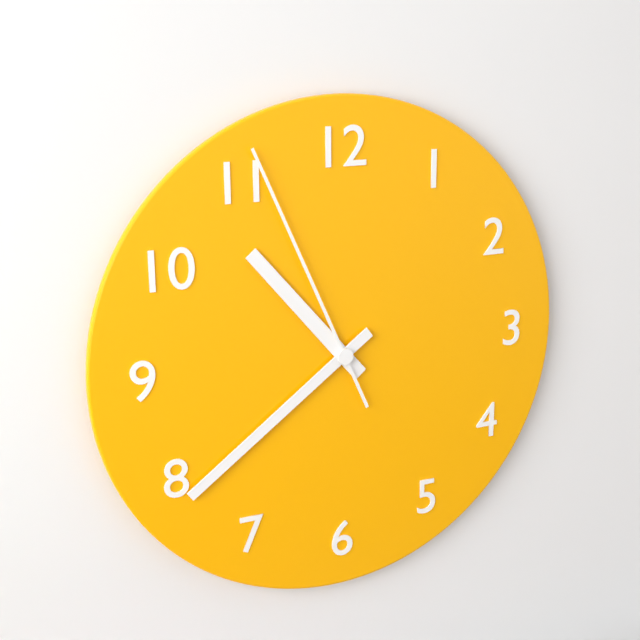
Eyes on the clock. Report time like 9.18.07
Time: 10.39.56
